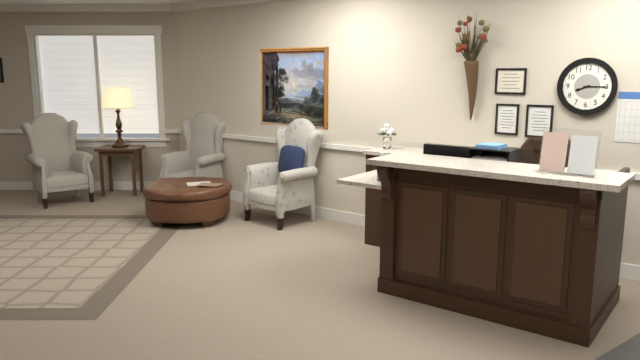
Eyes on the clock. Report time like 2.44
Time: 8.15
